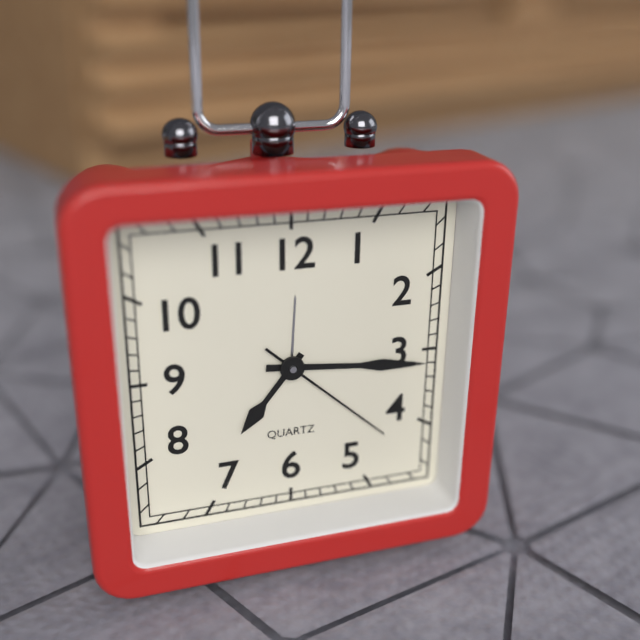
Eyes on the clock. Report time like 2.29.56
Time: 7.16.22
